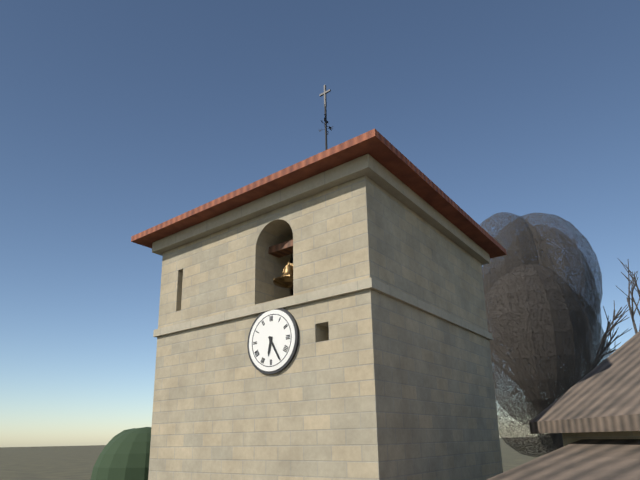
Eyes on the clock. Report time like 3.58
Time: 6.25
